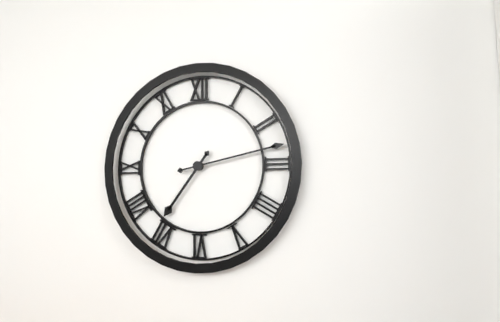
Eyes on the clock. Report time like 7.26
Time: 7.13
